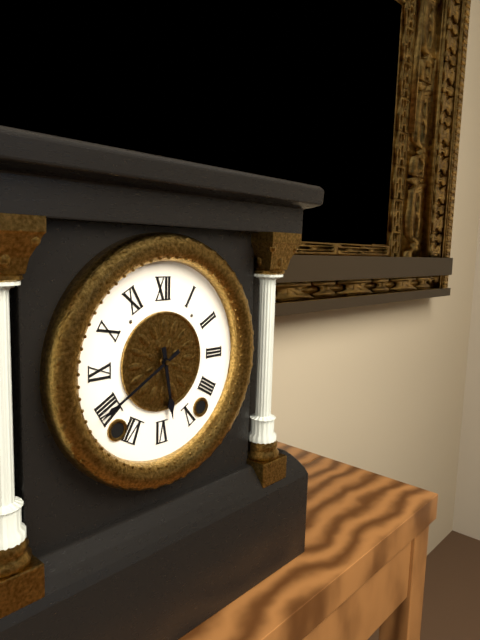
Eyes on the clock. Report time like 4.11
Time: 5.40
